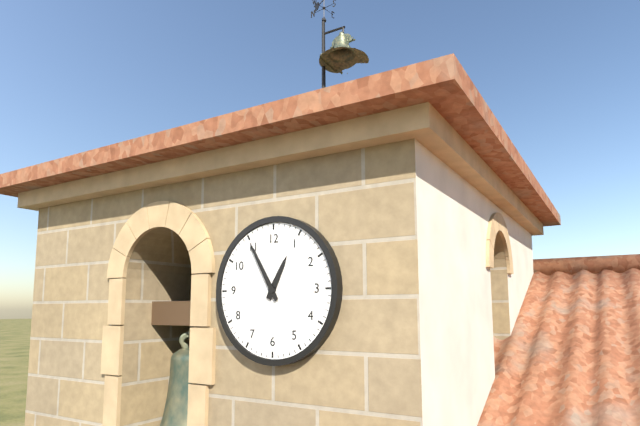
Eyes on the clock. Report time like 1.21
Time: 12.55
